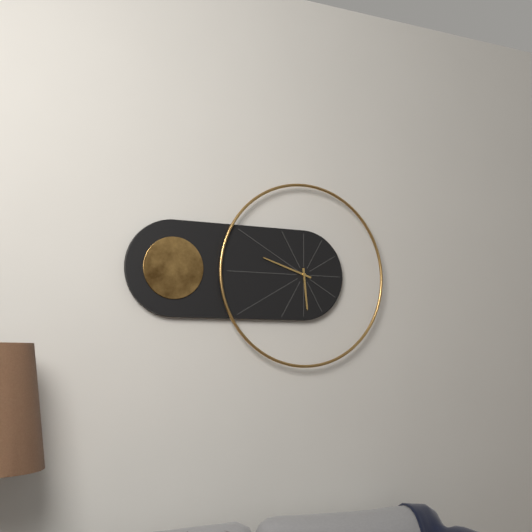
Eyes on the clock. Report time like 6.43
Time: 5.48
